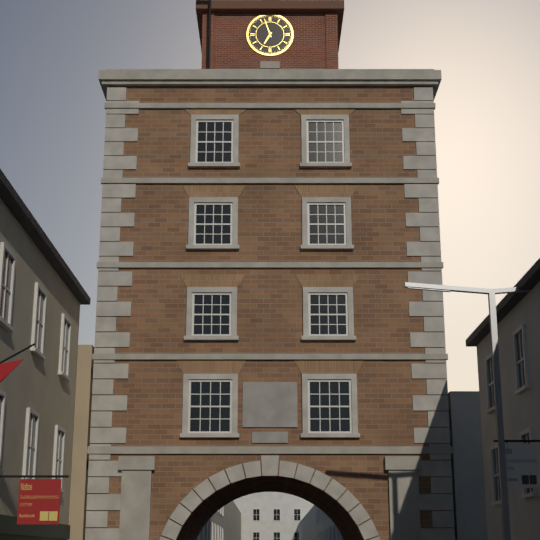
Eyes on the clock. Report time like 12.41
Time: 6.57
